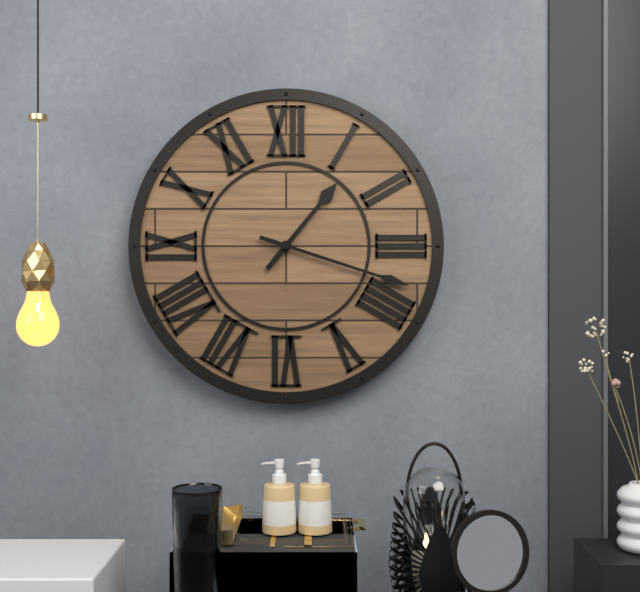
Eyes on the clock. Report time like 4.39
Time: 1.18
